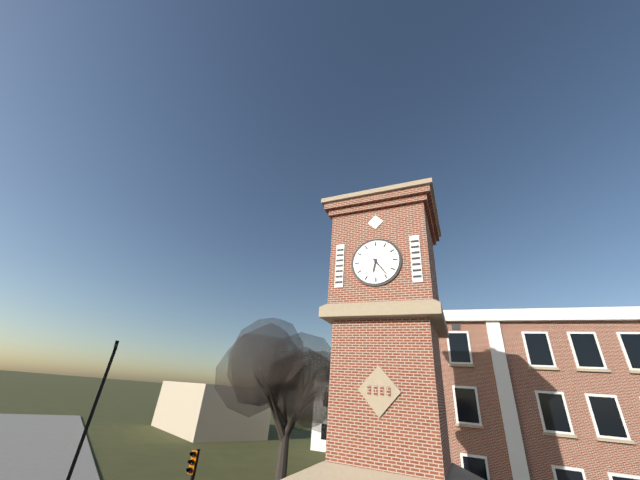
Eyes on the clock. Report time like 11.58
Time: 6.24
